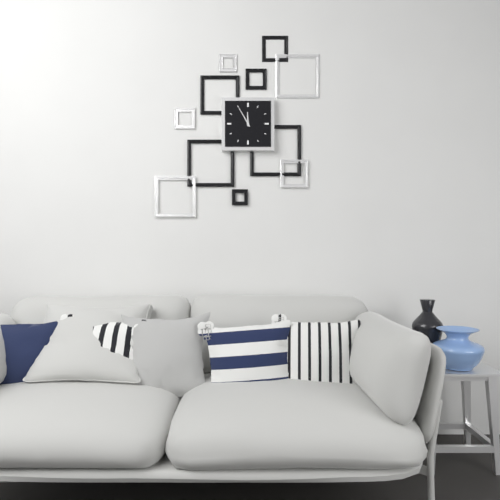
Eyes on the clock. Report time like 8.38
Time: 11.55
